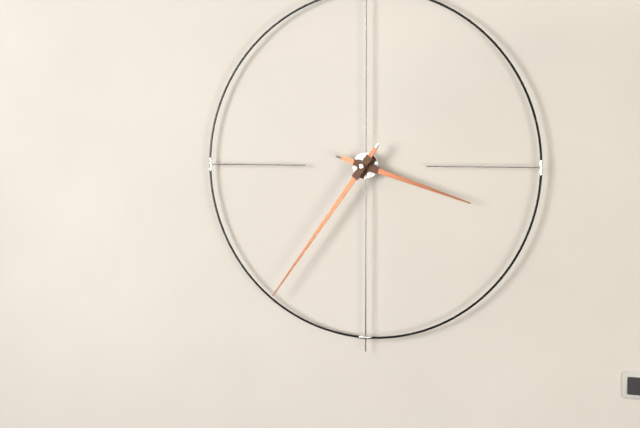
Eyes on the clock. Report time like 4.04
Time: 3.36
